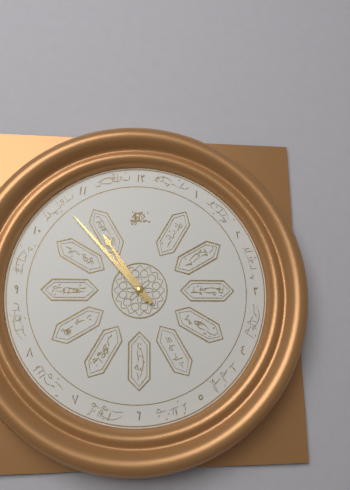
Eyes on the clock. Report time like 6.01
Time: 10.53
